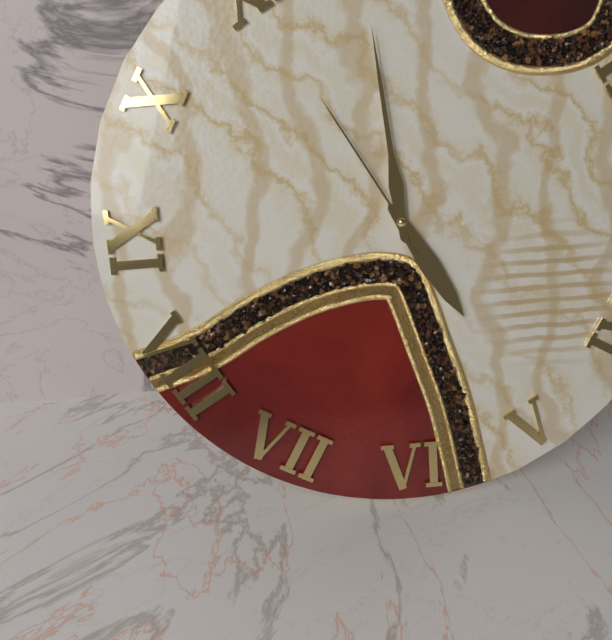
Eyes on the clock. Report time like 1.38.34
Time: 4.59.55
